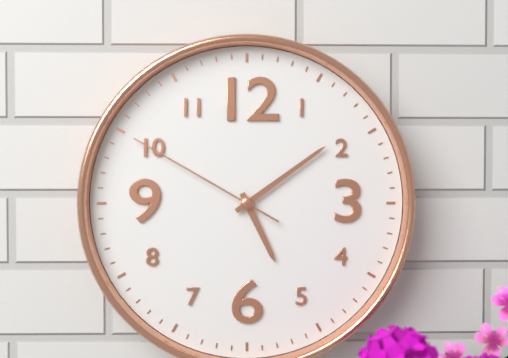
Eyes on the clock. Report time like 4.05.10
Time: 5.09.50
